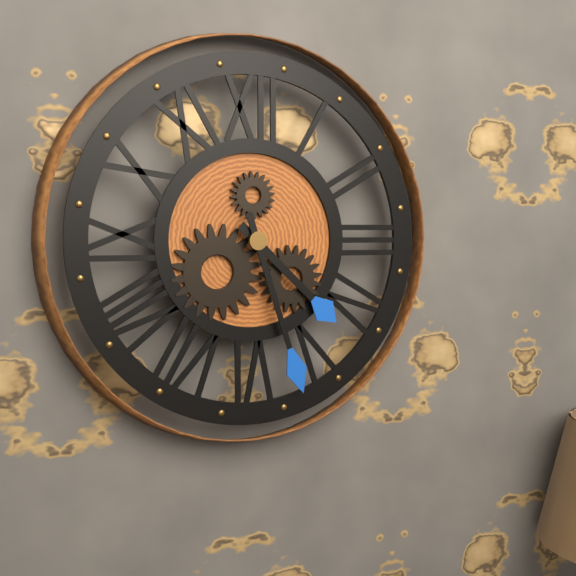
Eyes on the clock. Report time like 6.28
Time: 4.27
